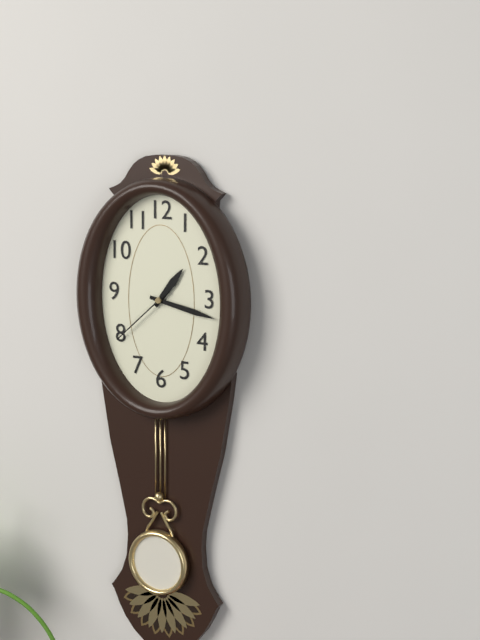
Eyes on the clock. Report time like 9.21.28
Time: 1.17.38
